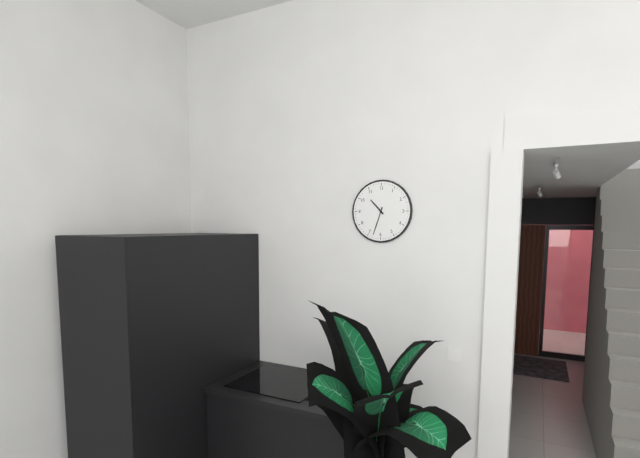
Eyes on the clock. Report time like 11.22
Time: 10.33
